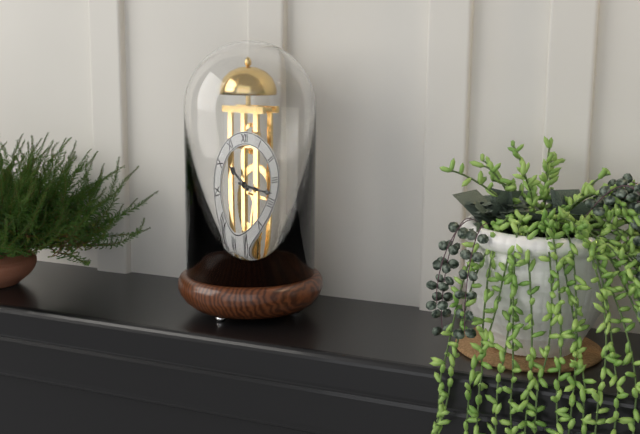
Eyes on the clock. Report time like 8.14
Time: 10.18
